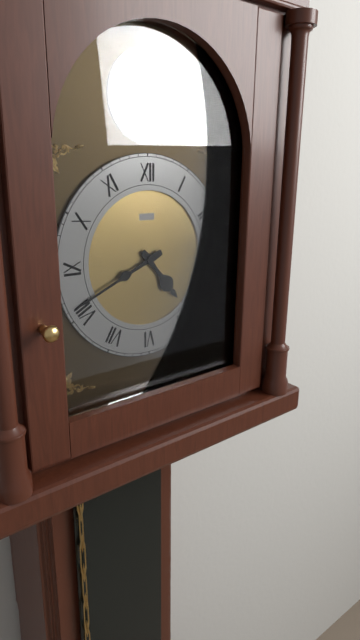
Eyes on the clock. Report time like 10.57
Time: 4.41
